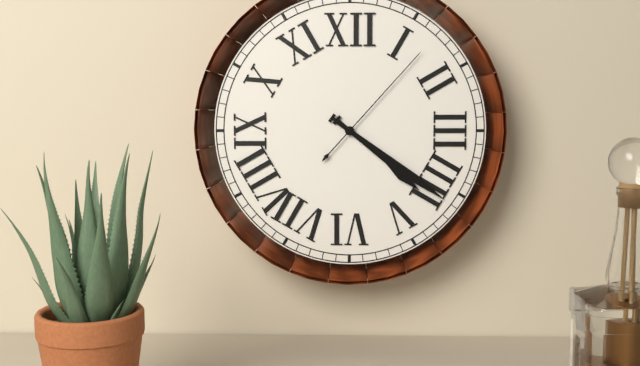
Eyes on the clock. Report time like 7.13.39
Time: 4.21.07
